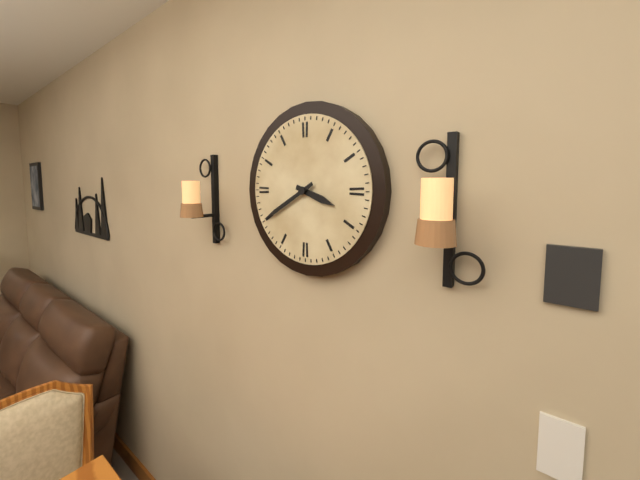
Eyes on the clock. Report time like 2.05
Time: 3.40
